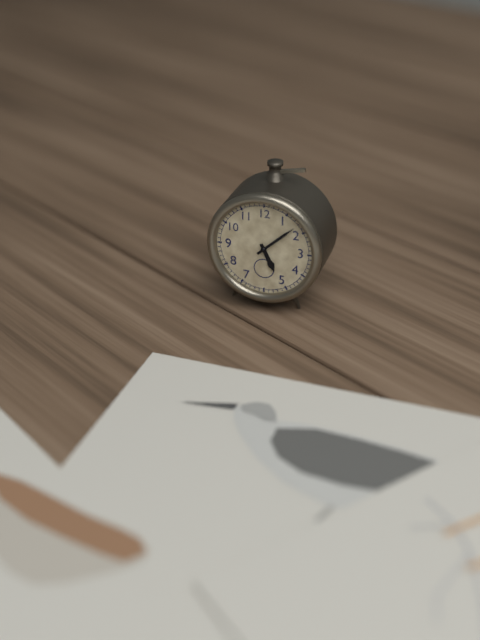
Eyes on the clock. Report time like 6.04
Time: 5.08
